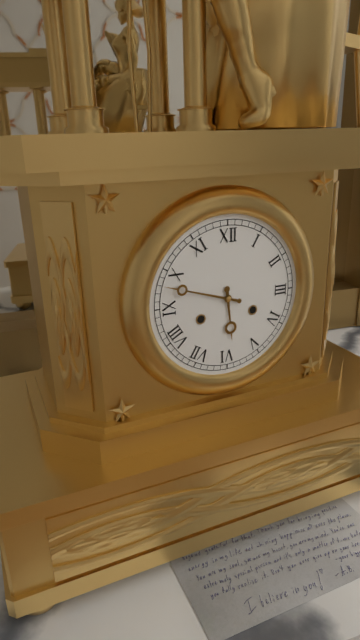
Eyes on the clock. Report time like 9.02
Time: 5.48
